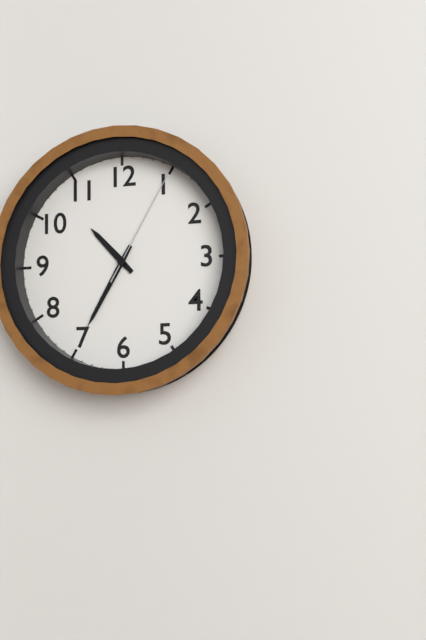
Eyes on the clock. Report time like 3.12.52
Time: 10.35.05
